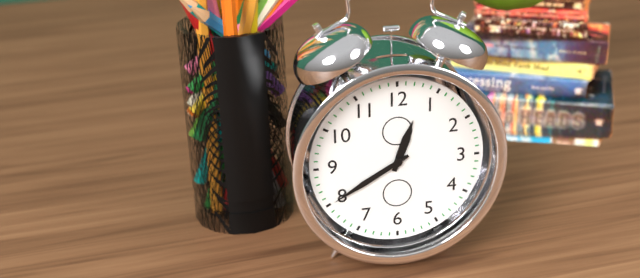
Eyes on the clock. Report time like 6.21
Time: 12.40
